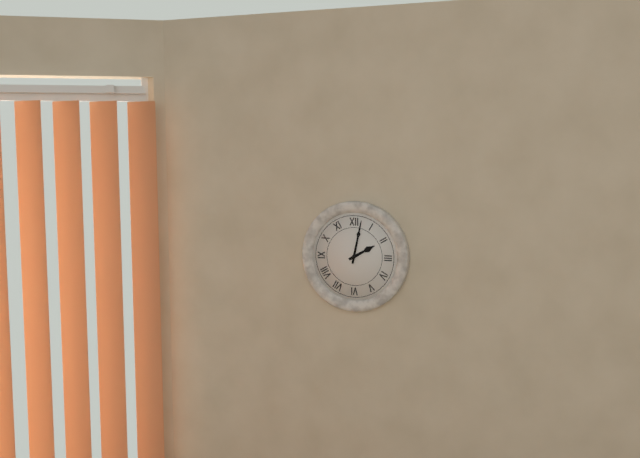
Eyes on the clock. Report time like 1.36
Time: 2.02
